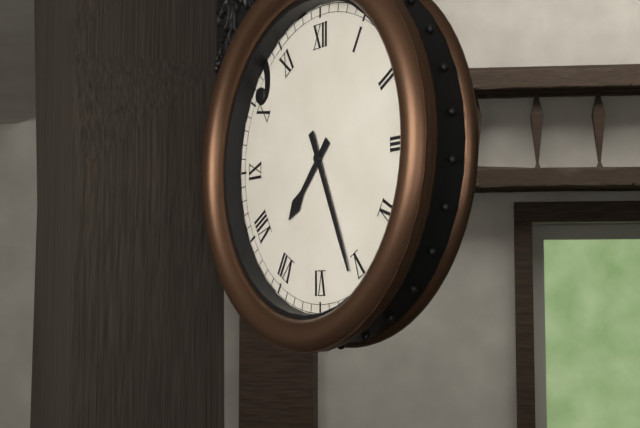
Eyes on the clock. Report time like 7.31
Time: 7.26
